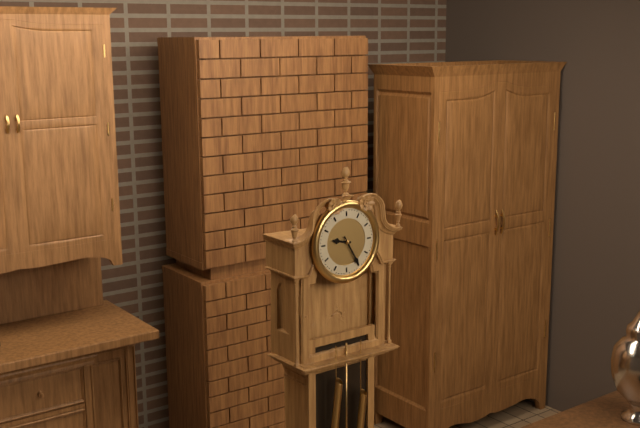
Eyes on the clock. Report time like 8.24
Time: 9.25
